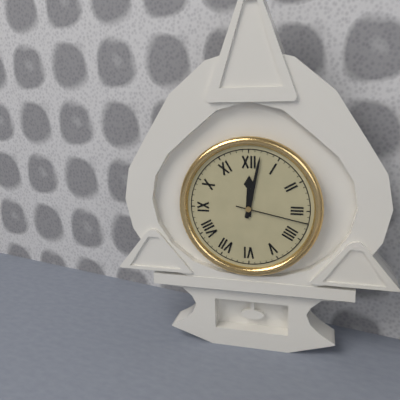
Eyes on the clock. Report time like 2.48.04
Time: 12.02.17
